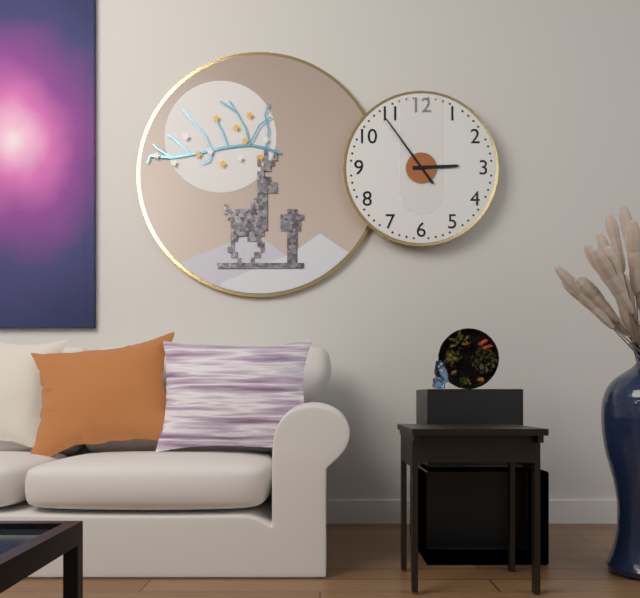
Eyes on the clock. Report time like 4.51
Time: 2.54
